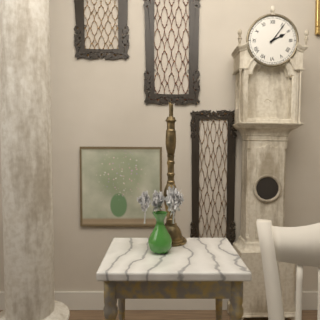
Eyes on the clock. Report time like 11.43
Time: 2.06
